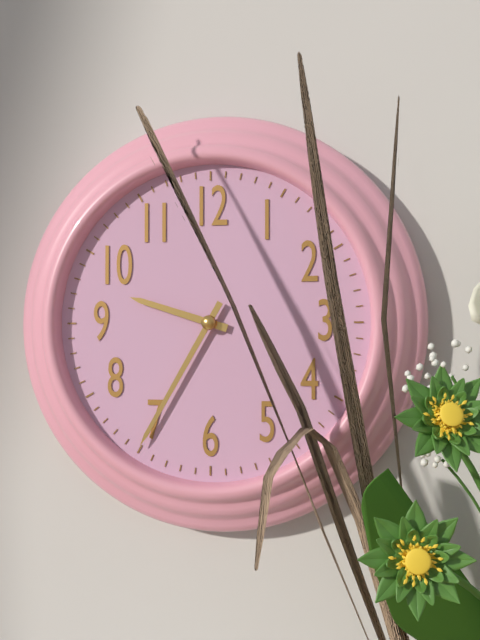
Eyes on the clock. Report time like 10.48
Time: 9.35
